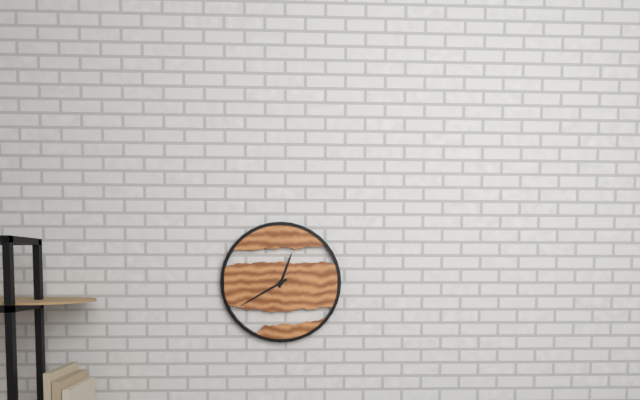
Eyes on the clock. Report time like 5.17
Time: 12.40
